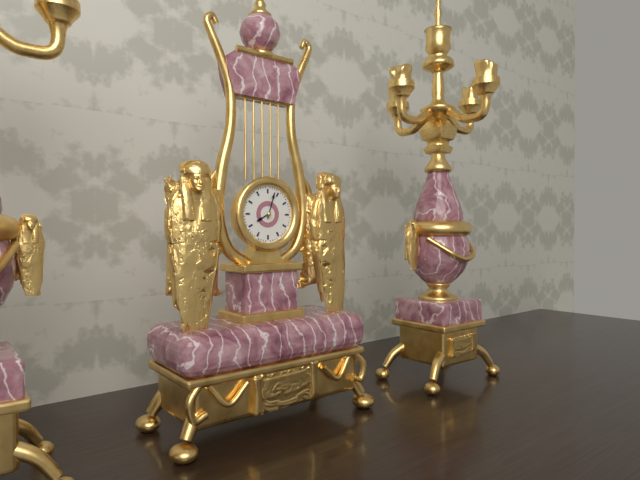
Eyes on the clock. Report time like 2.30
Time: 8.03
